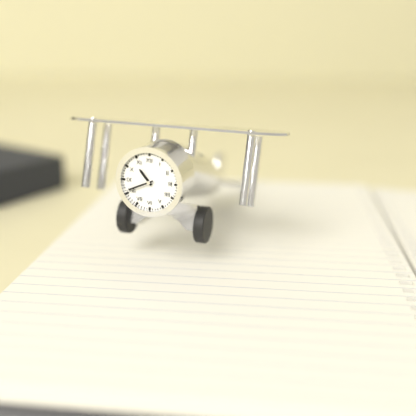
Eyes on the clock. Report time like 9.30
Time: 10.41
